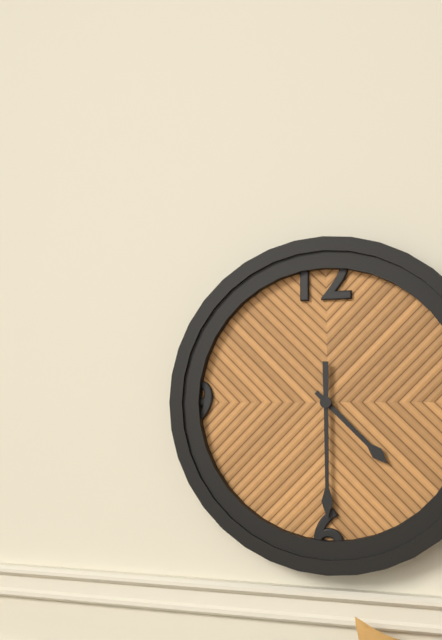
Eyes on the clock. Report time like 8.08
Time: 4.30
